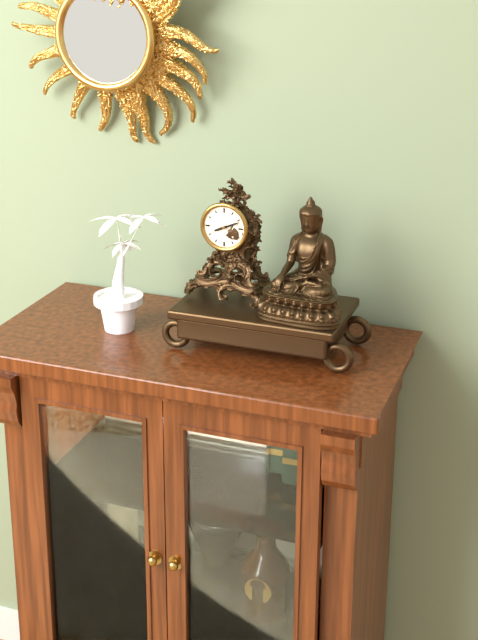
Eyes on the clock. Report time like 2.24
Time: 8.11
